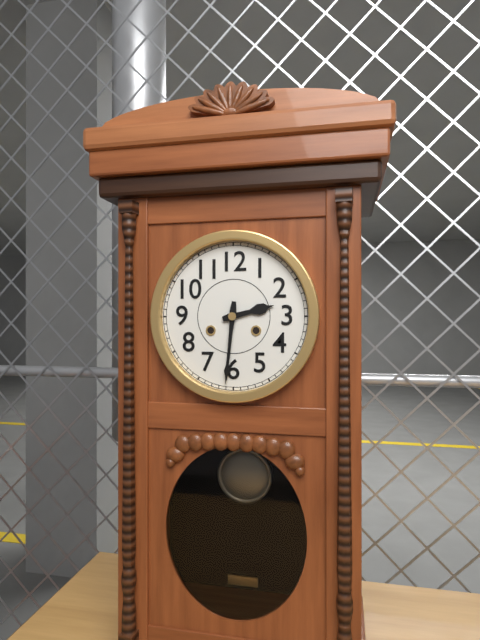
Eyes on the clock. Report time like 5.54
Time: 2.31
